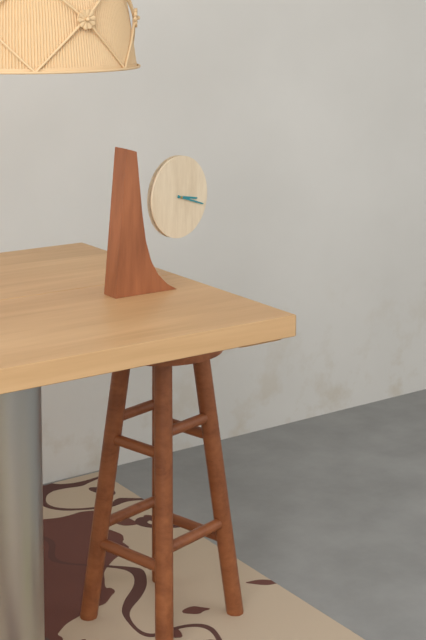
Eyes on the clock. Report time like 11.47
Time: 3.18
